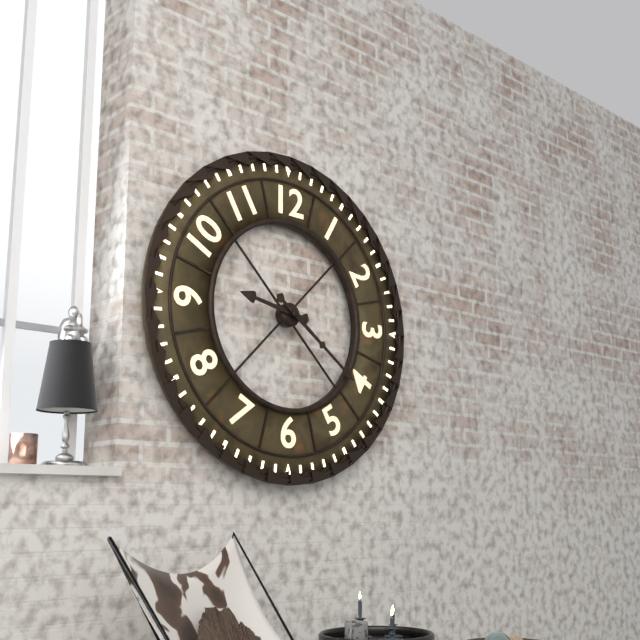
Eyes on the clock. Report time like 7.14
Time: 9.21
